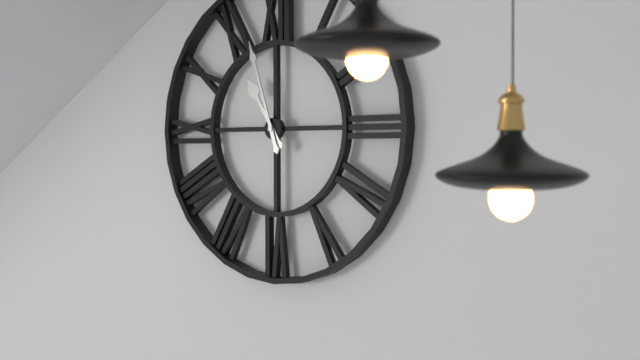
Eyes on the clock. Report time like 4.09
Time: 10.57
